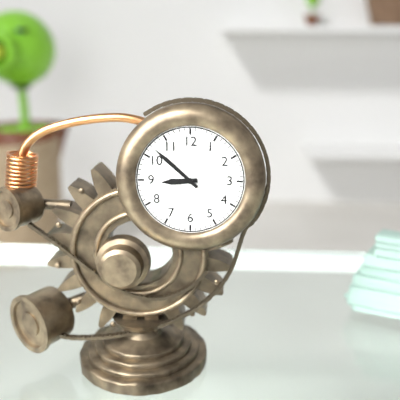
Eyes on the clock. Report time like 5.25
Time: 8.52
